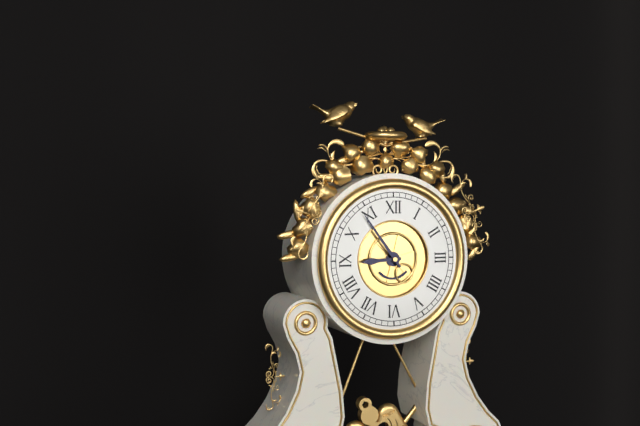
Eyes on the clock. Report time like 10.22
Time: 8.54
